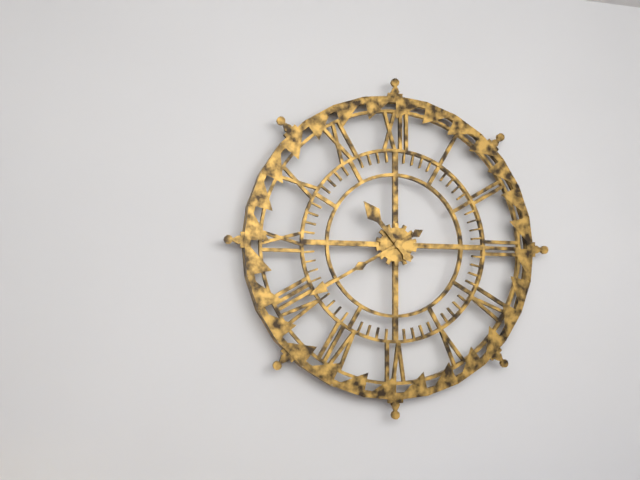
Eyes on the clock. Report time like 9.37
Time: 10.40
